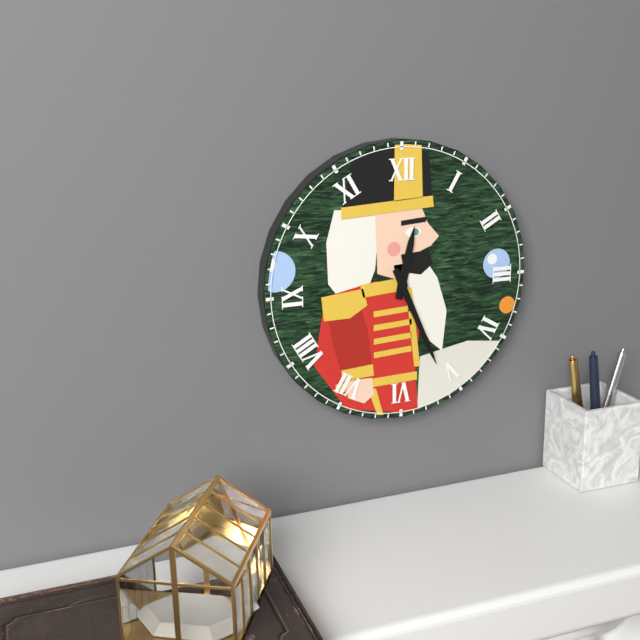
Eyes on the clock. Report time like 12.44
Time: 12.26
